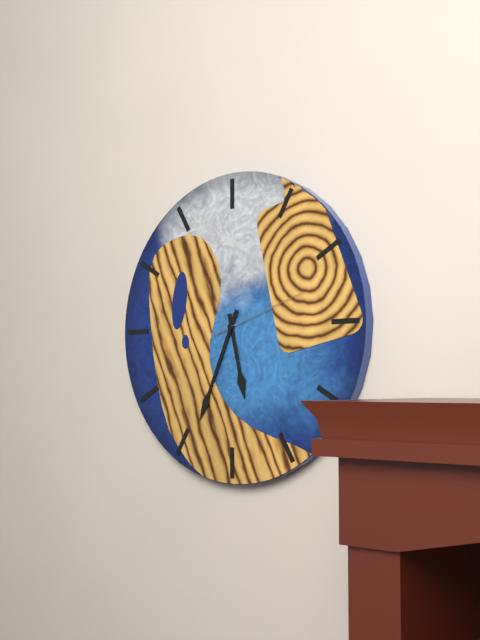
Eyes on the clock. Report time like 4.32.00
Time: 5.34.12
